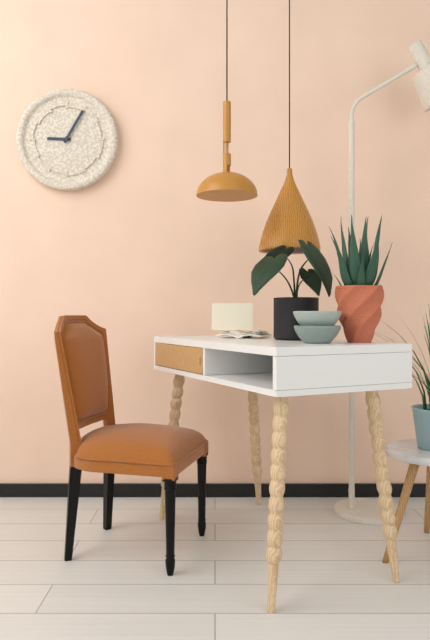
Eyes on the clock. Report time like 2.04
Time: 9.05
